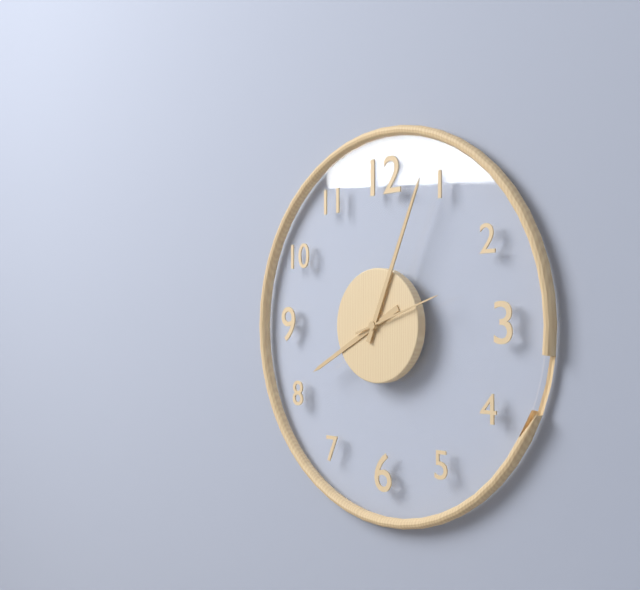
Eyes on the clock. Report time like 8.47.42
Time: 8.04.12
